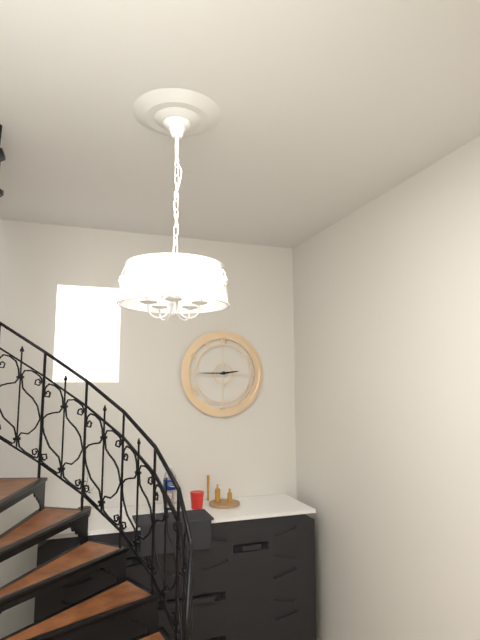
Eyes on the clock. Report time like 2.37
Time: 2.45
